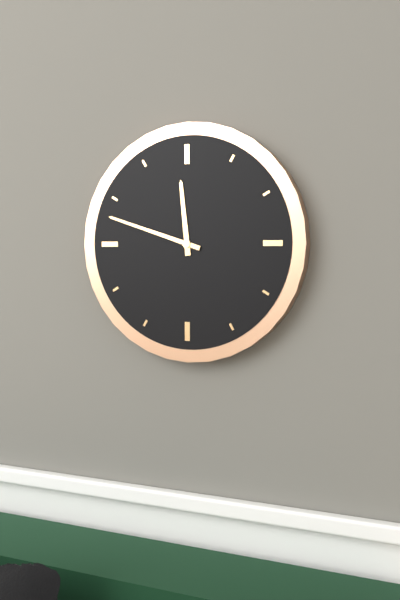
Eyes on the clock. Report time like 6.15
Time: 11.48
